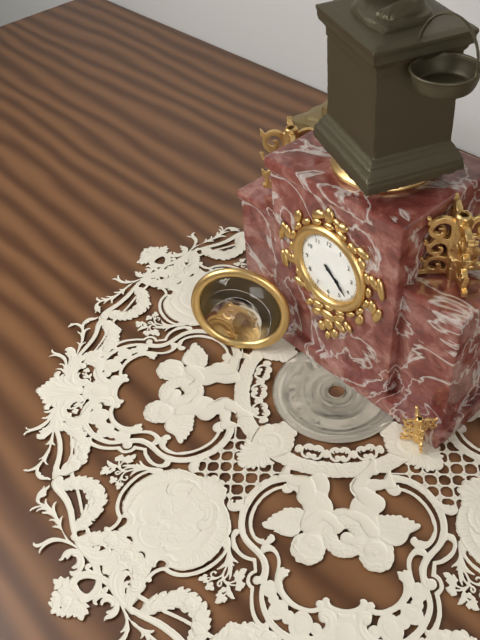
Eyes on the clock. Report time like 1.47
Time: 4.22
